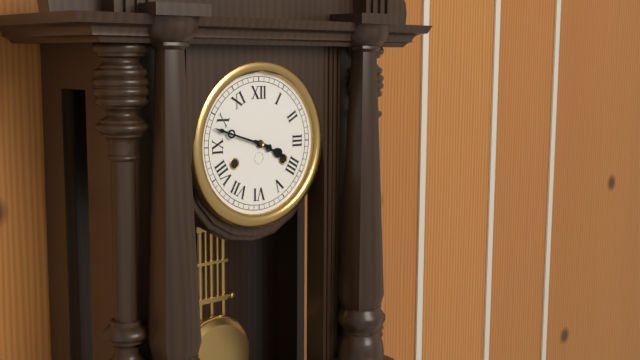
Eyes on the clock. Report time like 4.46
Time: 3.48
